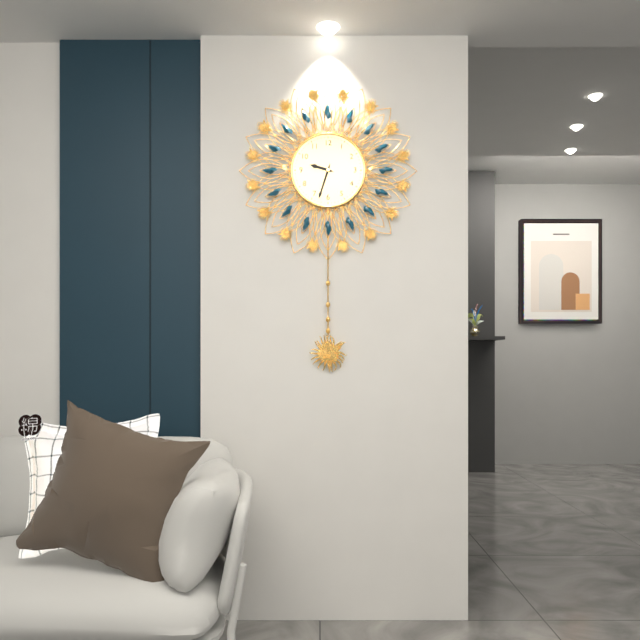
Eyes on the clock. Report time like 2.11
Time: 9.33
